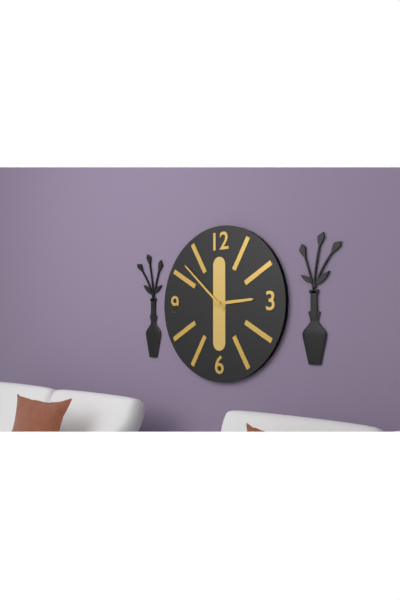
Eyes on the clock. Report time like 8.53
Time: 2.52
